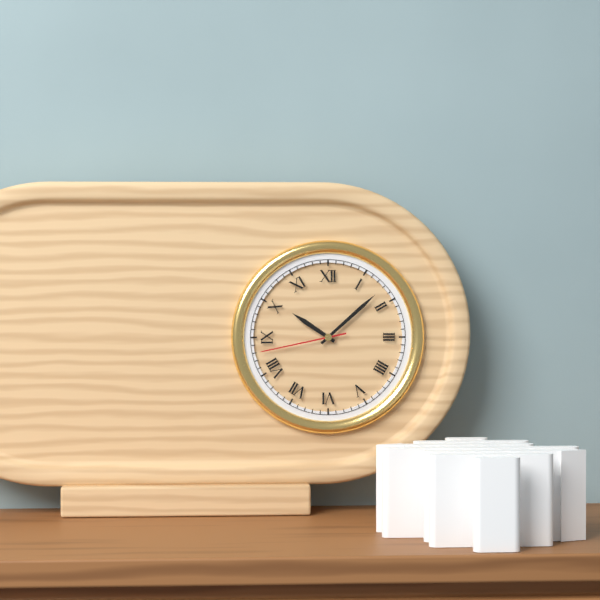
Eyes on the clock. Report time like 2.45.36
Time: 10.08.43
